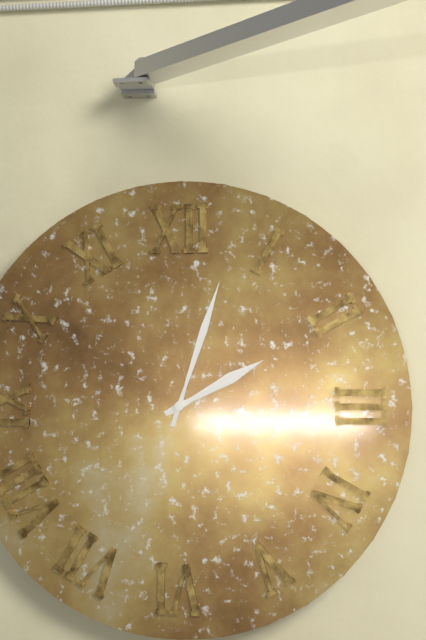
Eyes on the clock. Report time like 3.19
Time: 2.03
